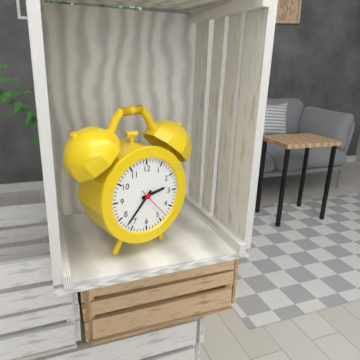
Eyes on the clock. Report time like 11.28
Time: 2.37
